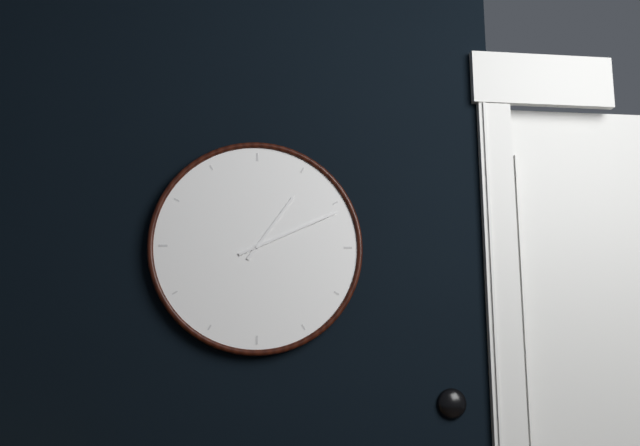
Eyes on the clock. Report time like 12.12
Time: 1.11
